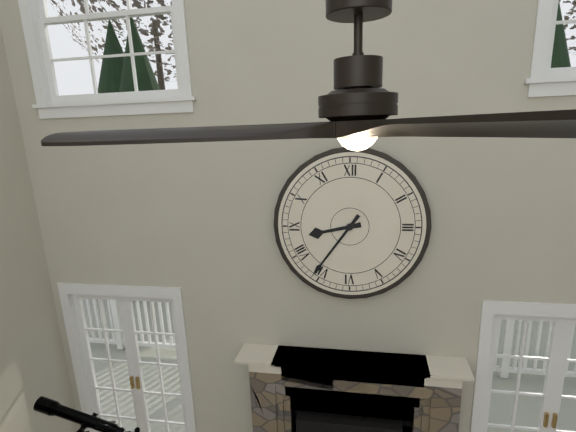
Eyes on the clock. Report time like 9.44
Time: 8.36
